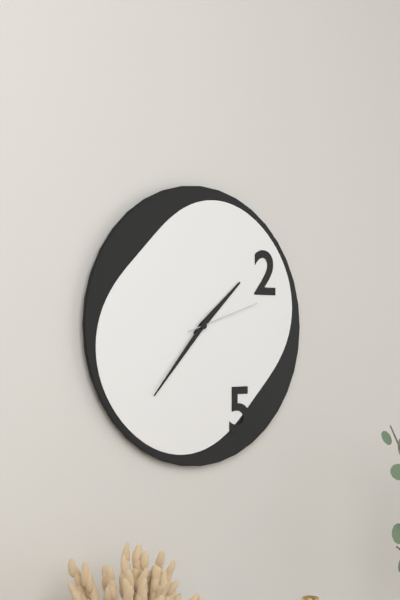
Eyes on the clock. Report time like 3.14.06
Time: 1.37.12
